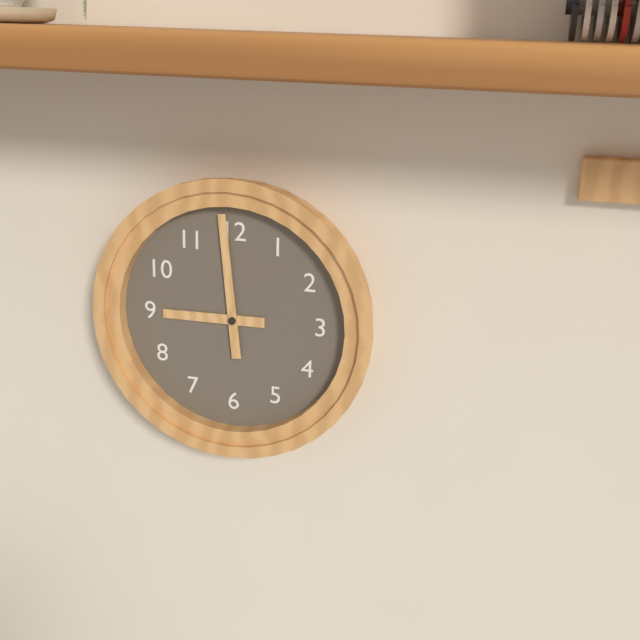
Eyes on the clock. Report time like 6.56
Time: 8.59
